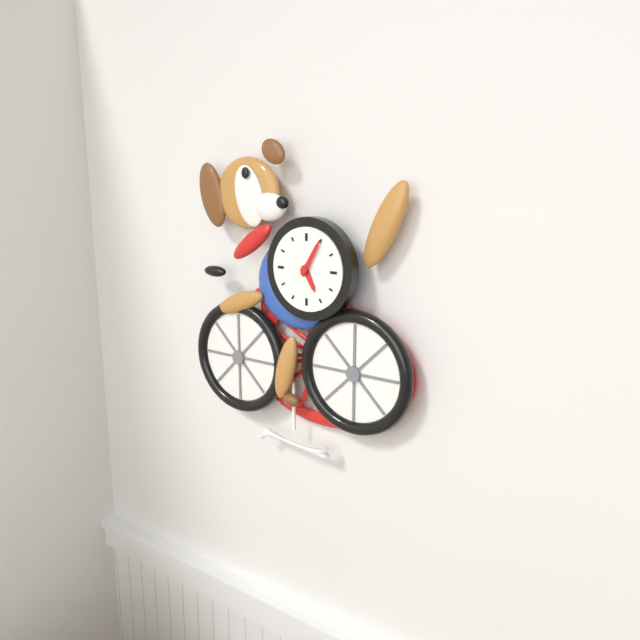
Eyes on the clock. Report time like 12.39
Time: 5.05
